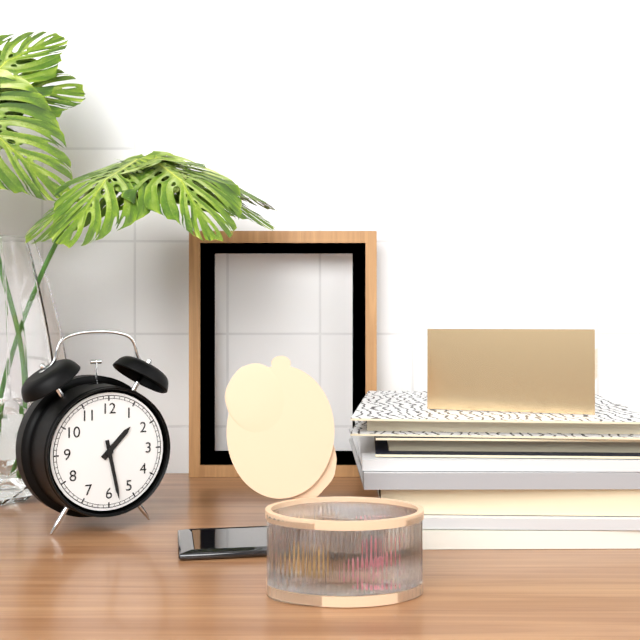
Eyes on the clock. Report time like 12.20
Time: 1.28
